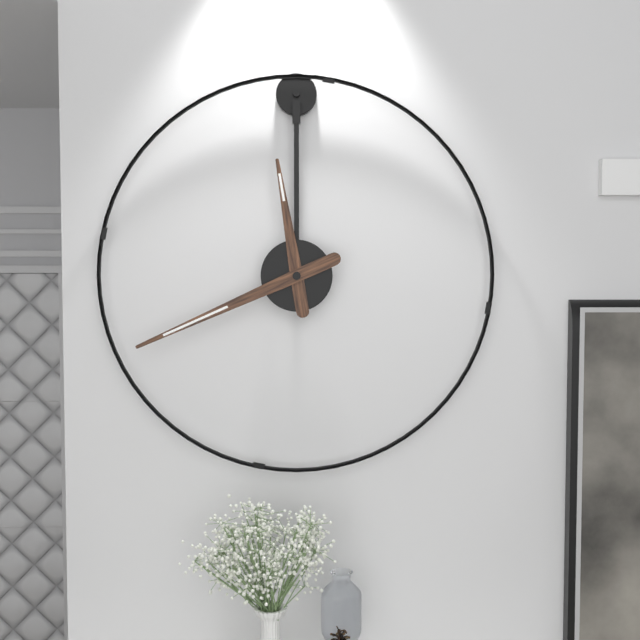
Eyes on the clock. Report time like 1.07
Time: 11.41
